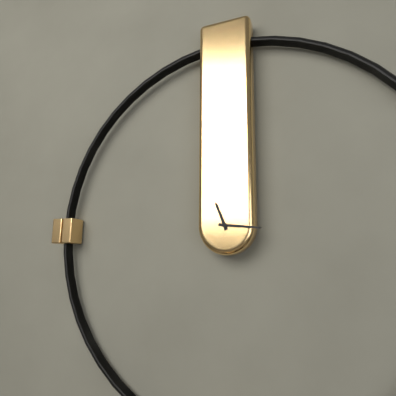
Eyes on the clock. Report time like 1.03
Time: 11.16
